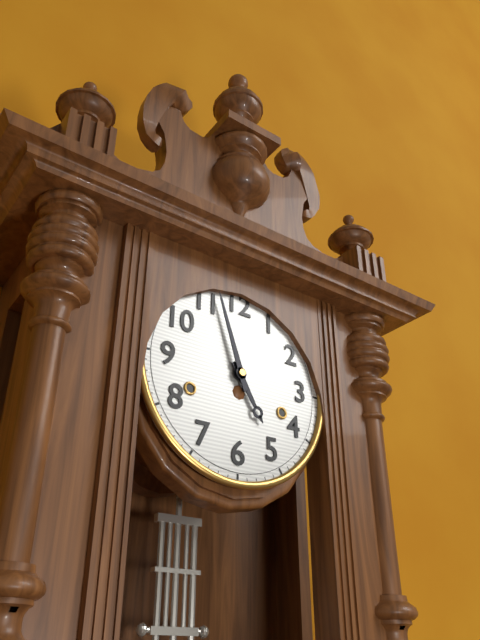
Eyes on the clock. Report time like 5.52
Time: 4.57
